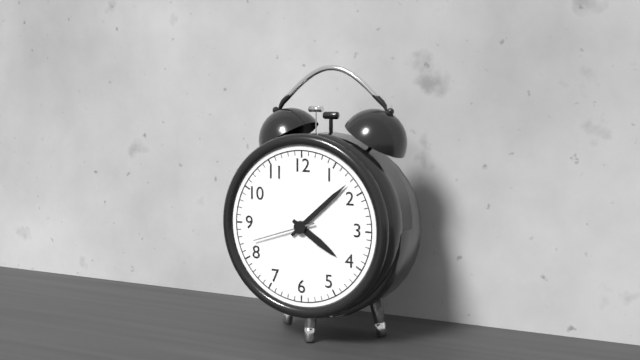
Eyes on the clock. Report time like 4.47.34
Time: 4.08.42
